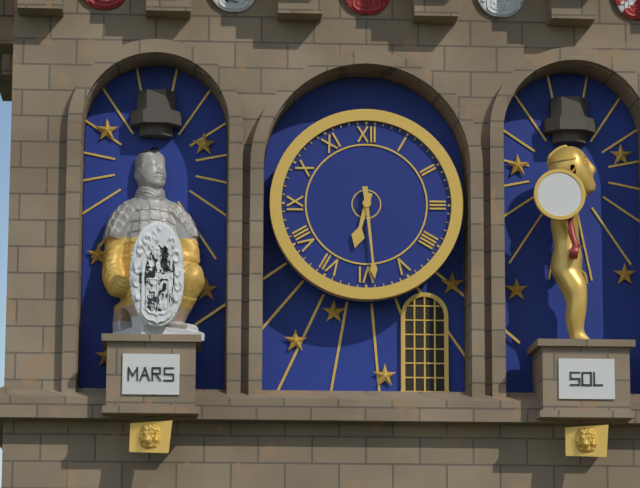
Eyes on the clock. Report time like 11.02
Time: 6.29
